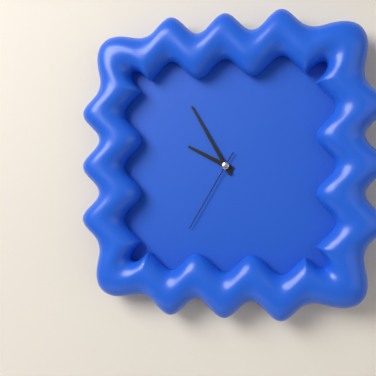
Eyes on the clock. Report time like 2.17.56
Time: 9.55.35
